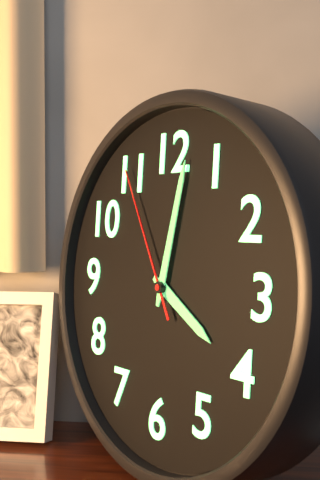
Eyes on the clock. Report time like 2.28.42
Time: 4.02.55
